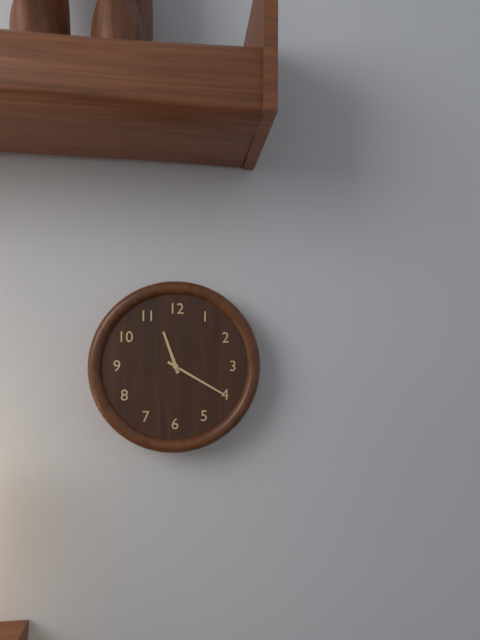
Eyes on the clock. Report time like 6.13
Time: 11.20
